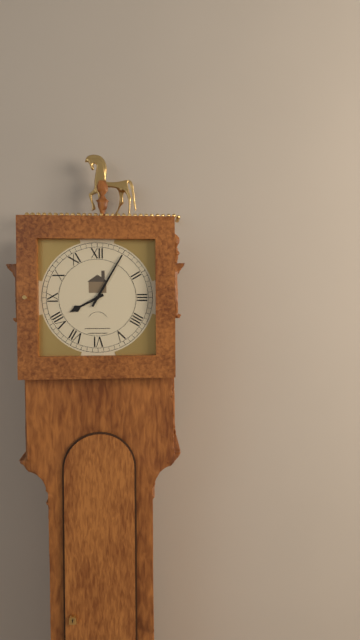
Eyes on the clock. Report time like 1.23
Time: 8.05
